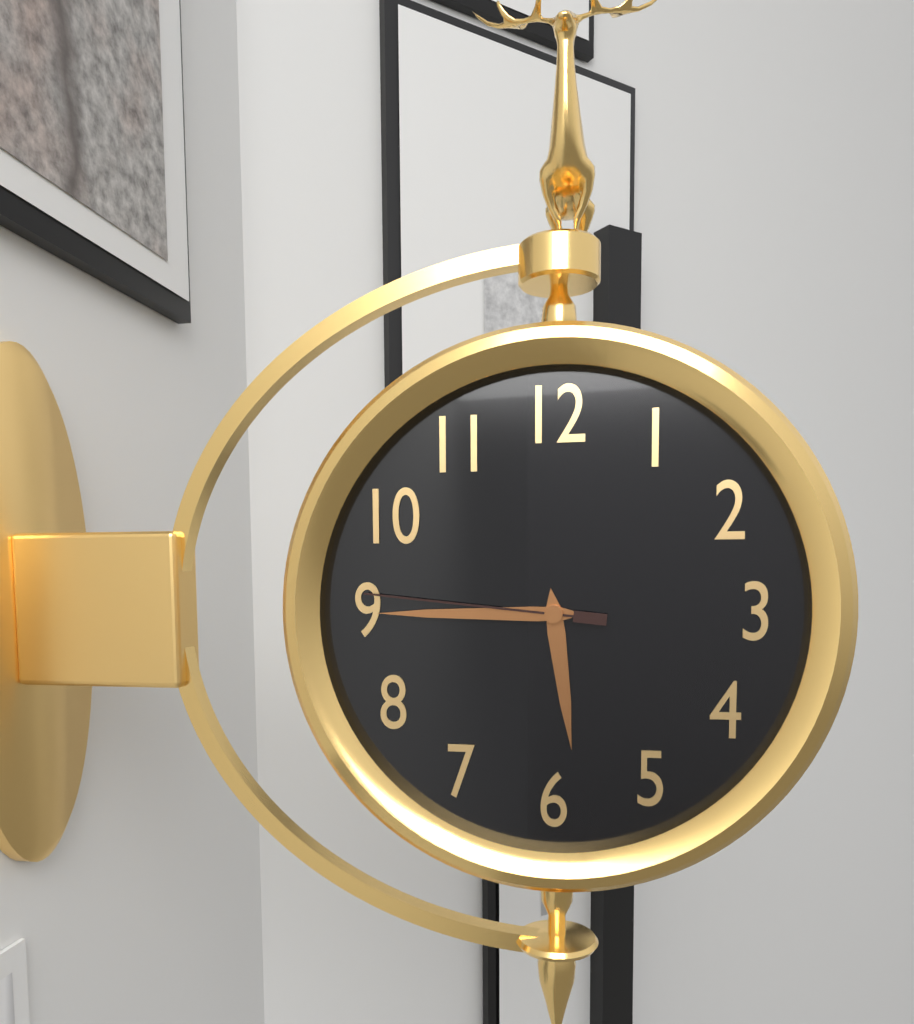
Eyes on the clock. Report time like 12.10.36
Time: 5.45.46
